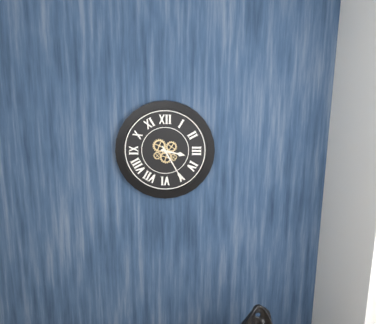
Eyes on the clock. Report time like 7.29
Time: 3.25
